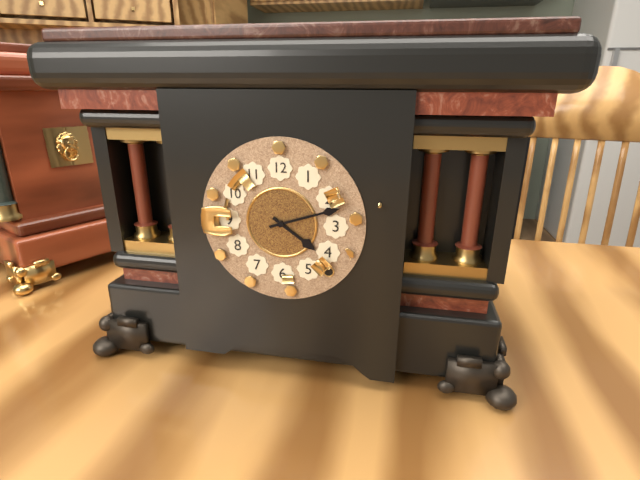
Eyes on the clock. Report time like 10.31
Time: 4.12
